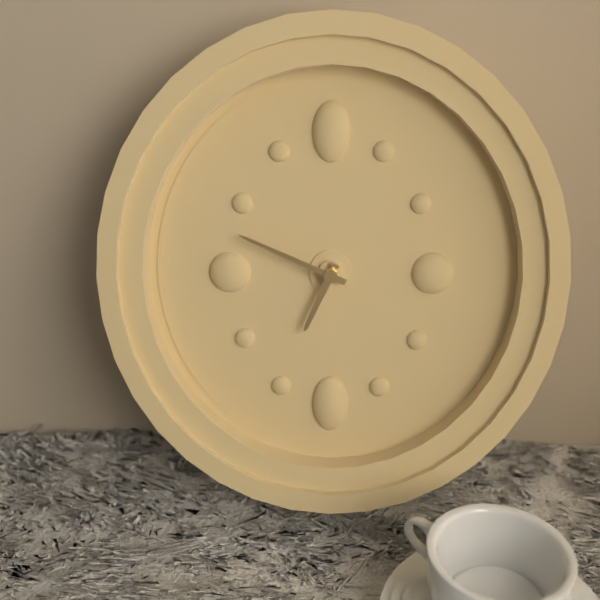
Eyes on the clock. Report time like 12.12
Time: 6.49
